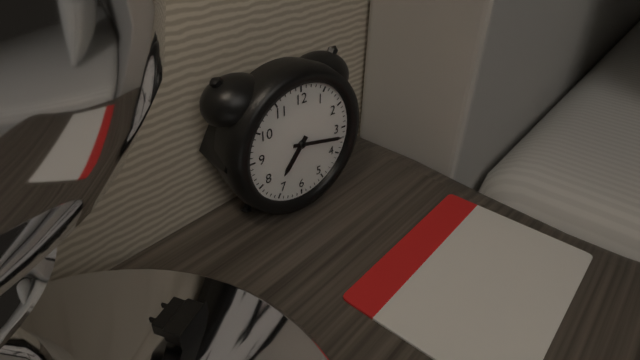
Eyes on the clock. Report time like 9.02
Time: 7.17
